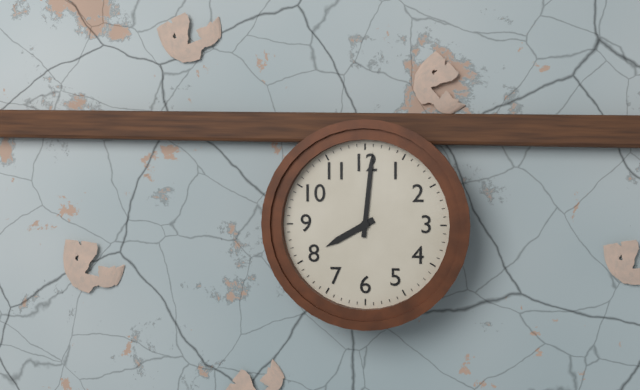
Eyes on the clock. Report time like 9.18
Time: 8.01
